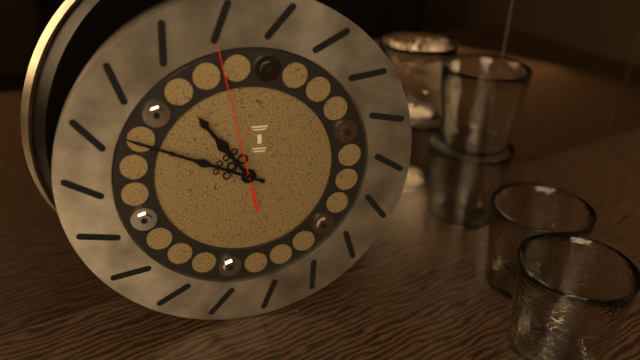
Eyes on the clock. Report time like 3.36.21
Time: 10.49.58
